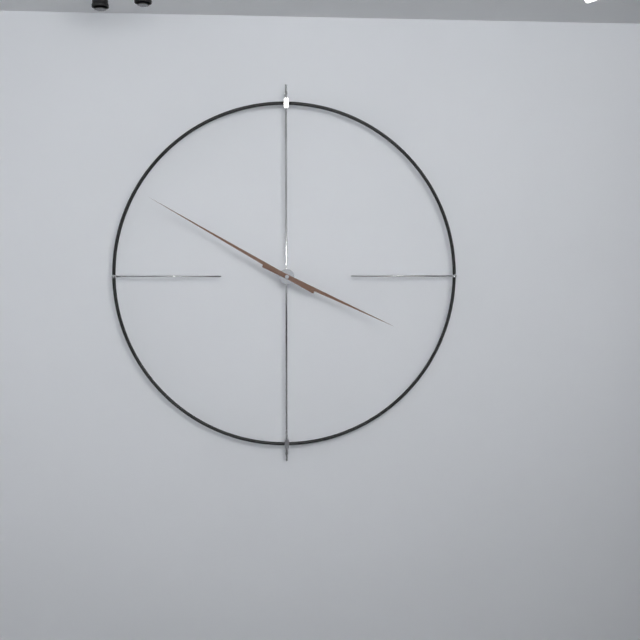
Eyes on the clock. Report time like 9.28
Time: 3.50
